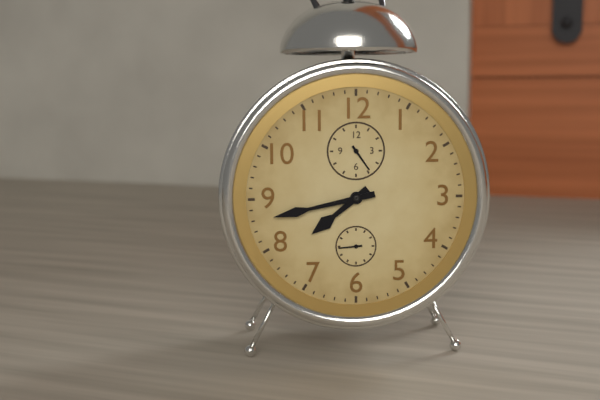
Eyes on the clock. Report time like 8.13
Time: 7.43
